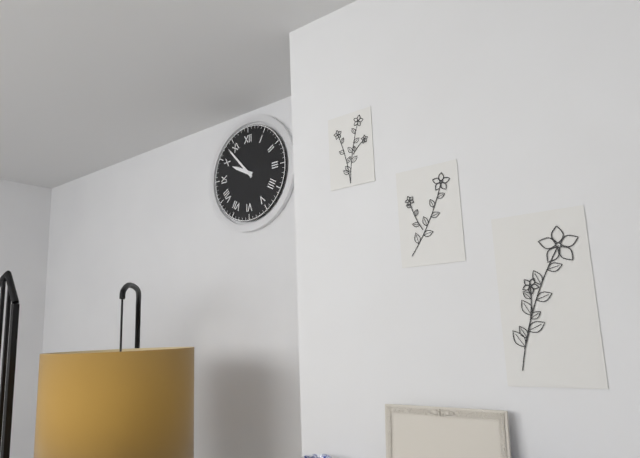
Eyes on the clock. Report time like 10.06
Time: 9.53
